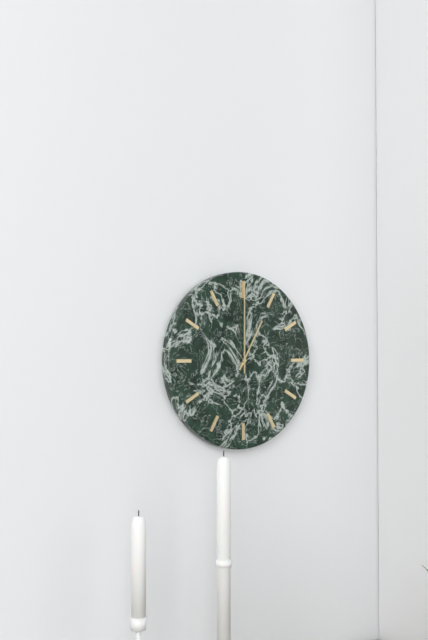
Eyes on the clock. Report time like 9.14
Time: 1.00
